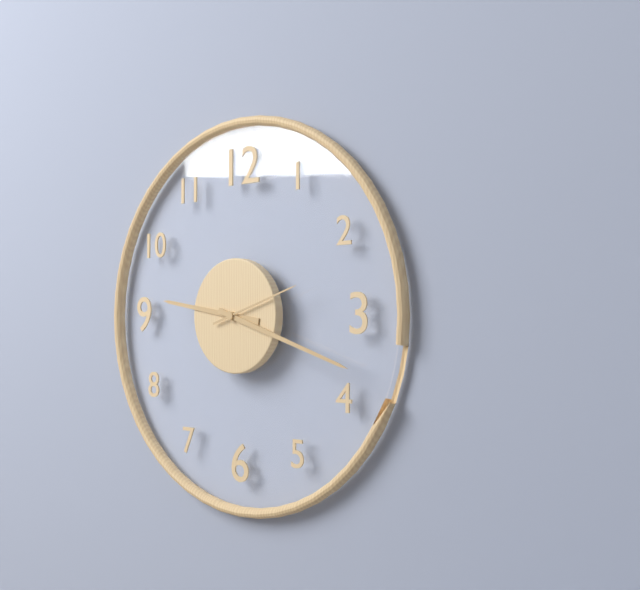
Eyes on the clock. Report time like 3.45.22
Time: 9.18.12
